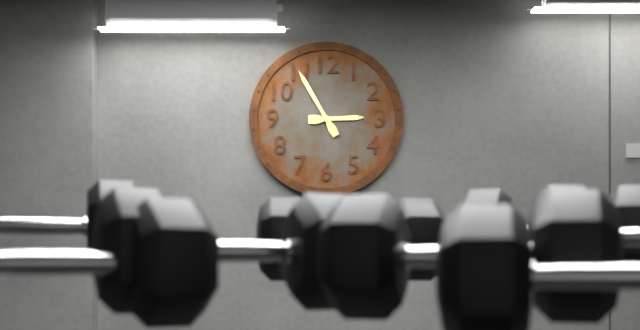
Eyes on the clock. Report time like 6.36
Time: 2.55
